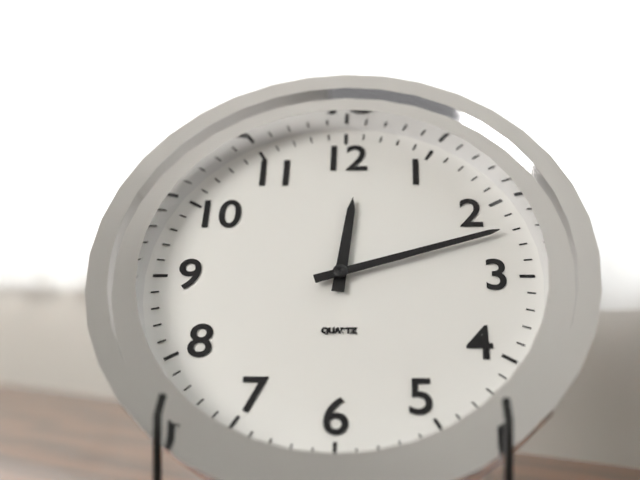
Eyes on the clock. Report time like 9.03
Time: 12.12
